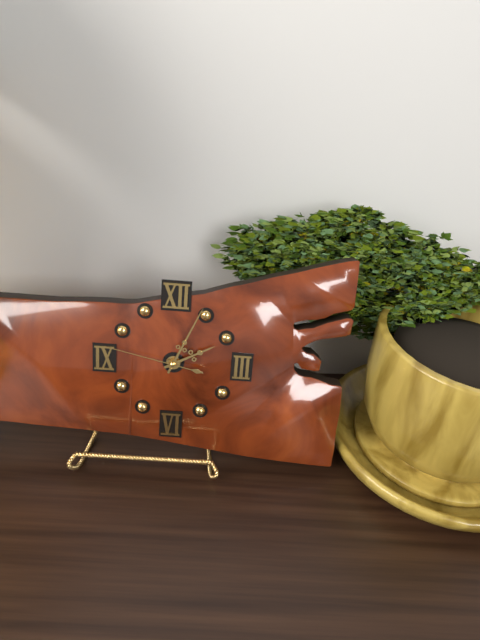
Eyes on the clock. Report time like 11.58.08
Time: 2.04.47
